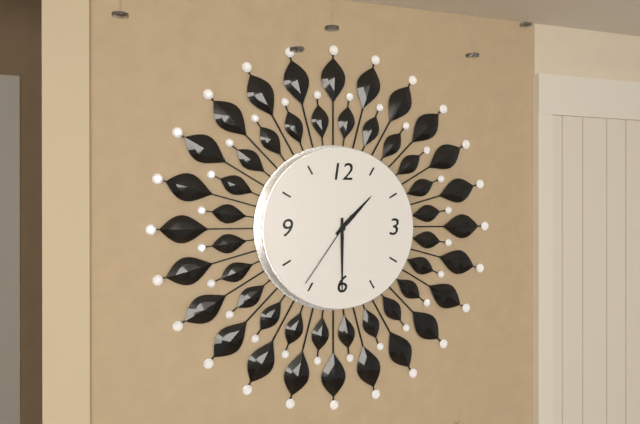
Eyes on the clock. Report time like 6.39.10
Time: 1.30.36
